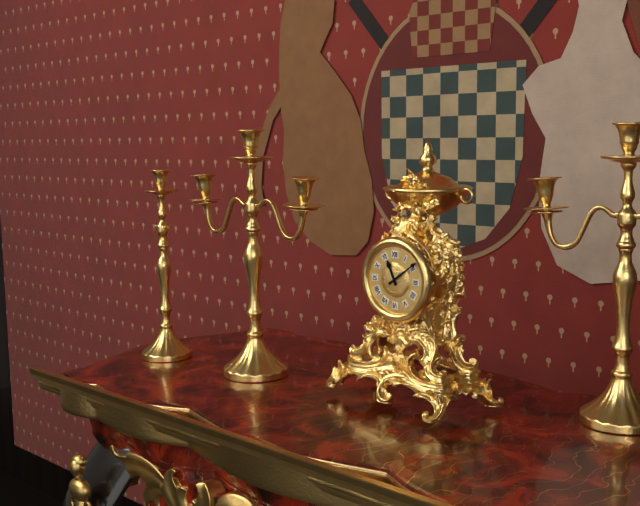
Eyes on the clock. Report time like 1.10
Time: 11.09
